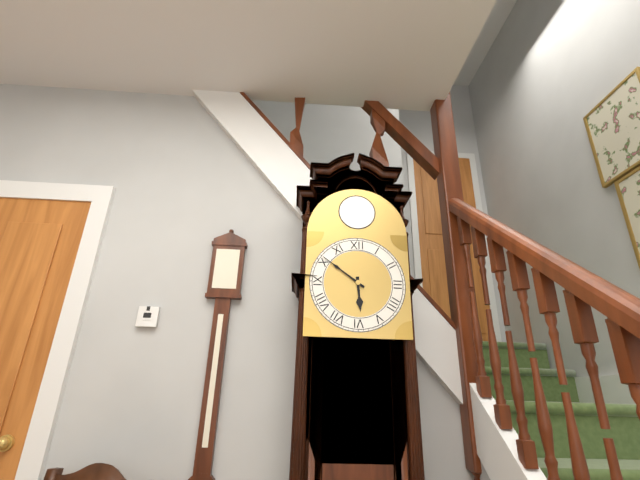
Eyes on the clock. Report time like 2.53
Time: 5.51
